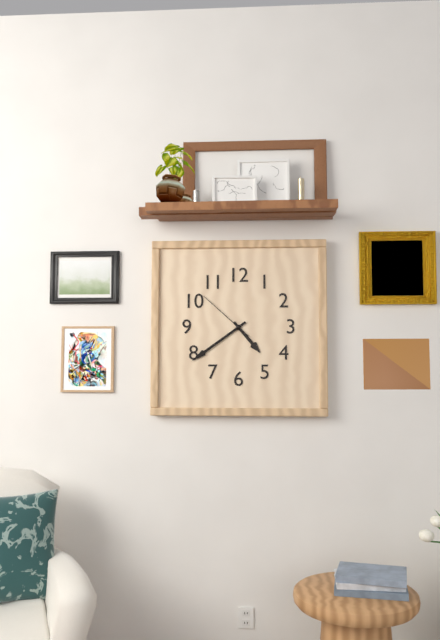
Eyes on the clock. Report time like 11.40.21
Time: 4.39.52
